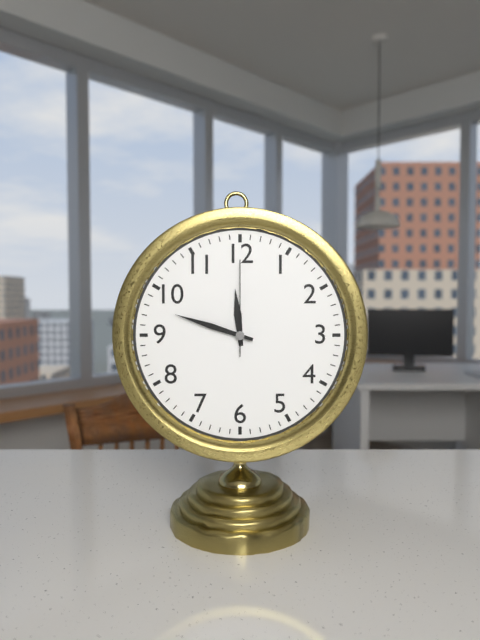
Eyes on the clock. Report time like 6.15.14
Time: 11.48.00
